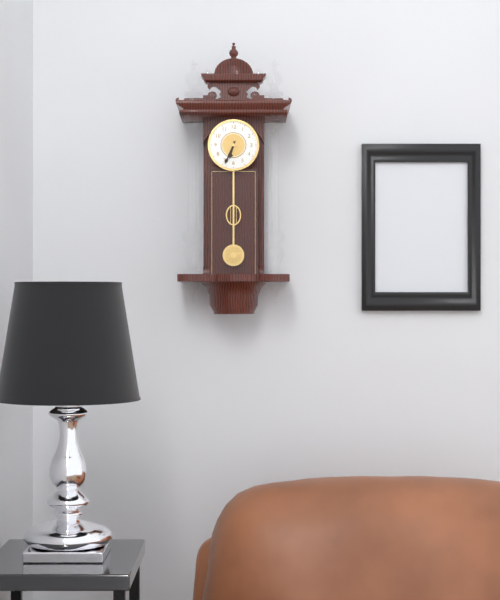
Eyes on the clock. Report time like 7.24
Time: 6.34
